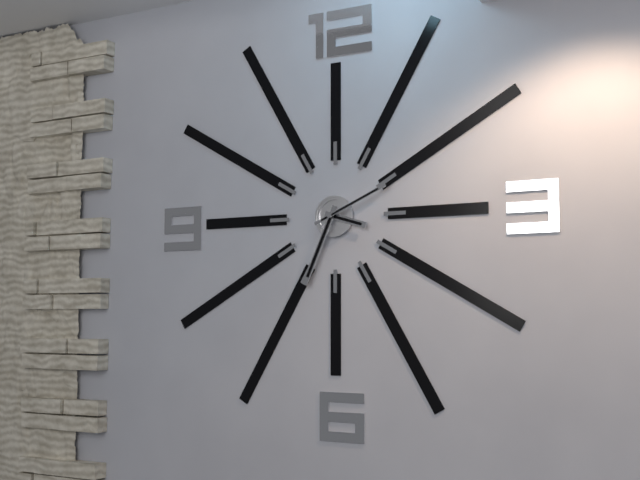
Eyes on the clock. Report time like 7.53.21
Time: 3.34.11
